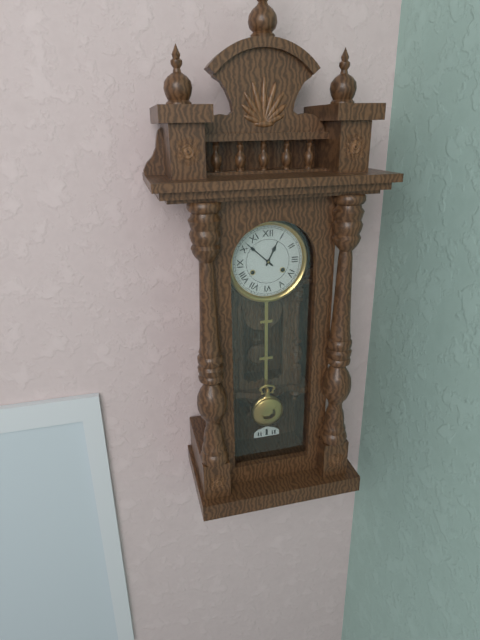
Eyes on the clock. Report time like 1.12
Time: 12.52
